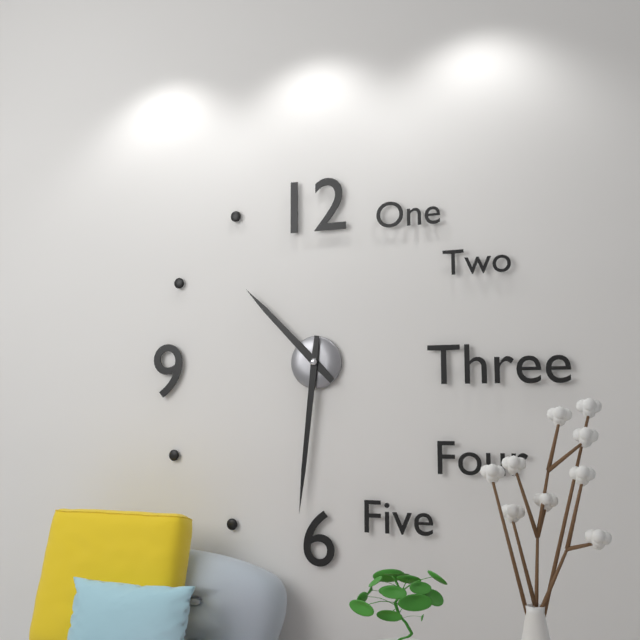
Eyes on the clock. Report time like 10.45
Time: 10.31
